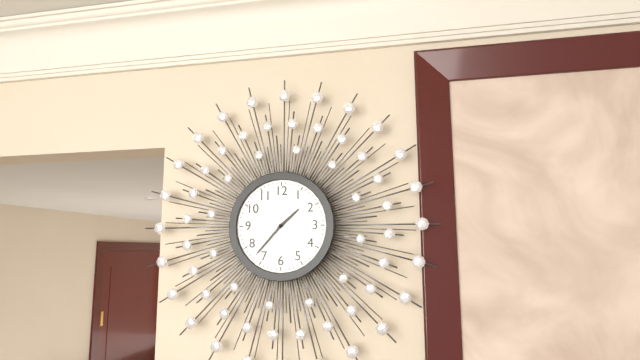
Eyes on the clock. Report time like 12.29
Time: 1.37
